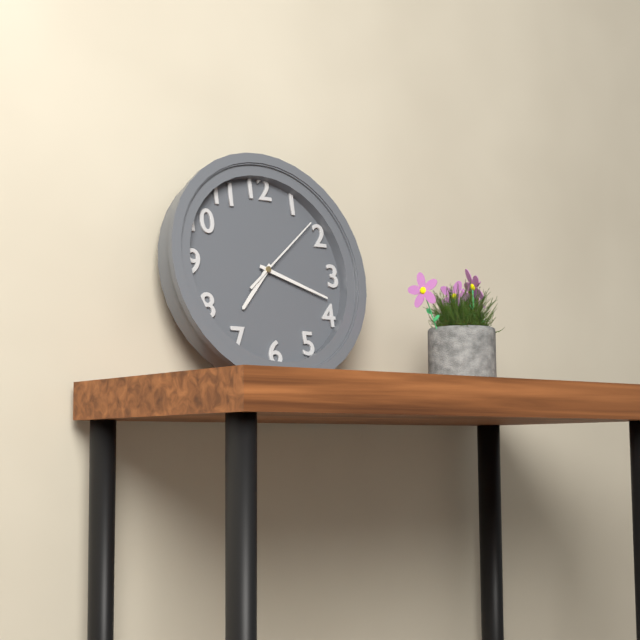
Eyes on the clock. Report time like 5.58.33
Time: 7.18.08
